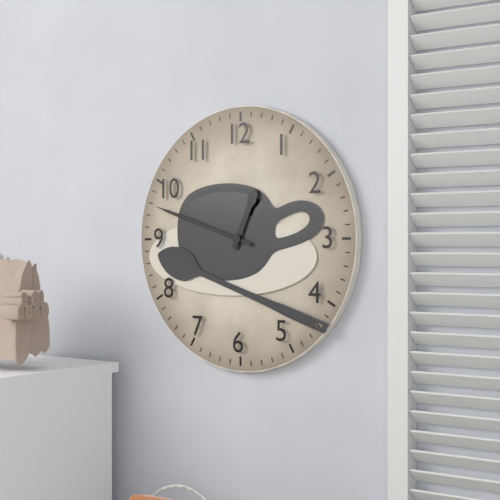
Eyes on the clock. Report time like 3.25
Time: 12.48
